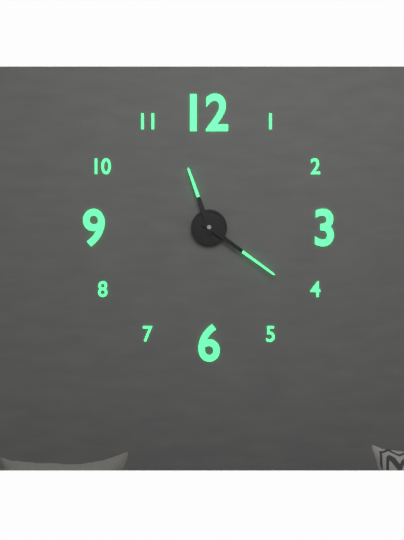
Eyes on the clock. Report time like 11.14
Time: 11.21
